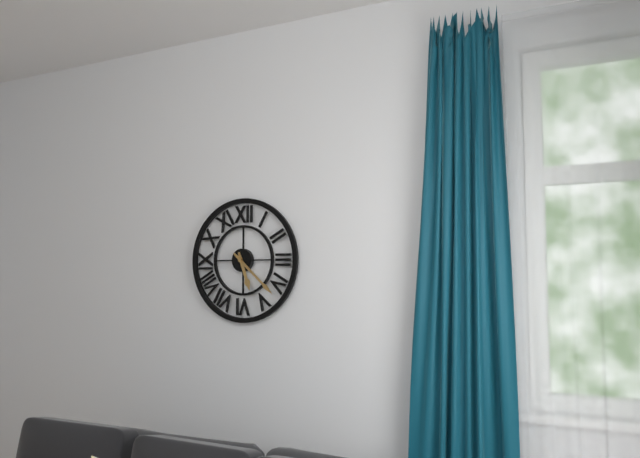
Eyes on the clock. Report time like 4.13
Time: 5.22
